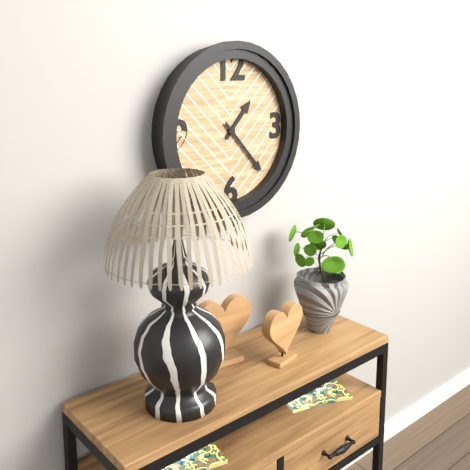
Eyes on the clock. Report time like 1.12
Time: 1.23
